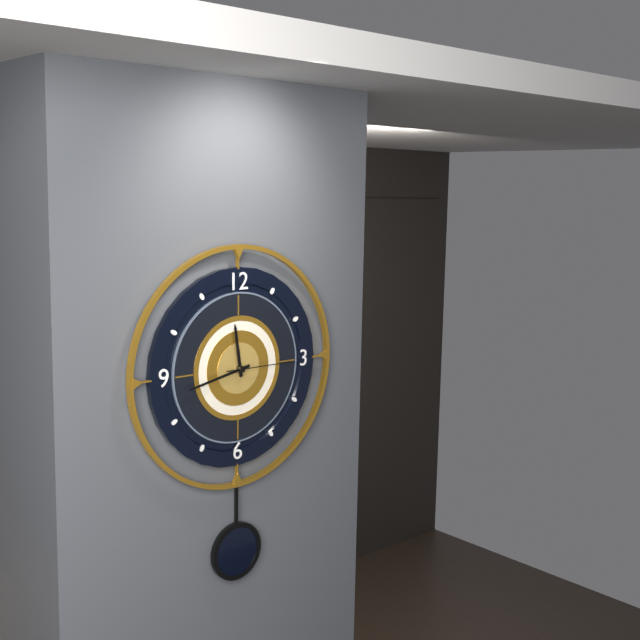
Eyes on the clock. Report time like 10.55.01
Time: 11.43.15
